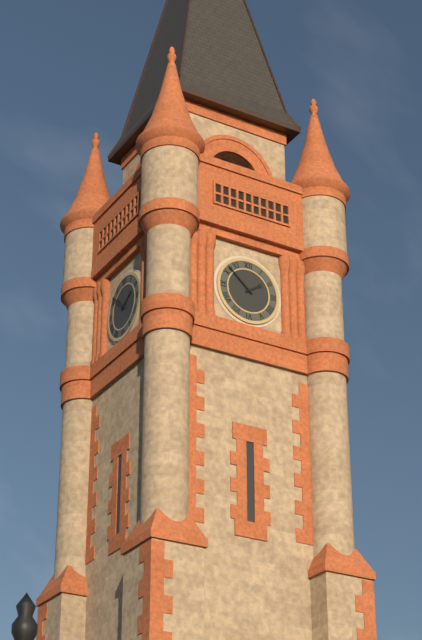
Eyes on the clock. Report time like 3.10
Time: 1.52
